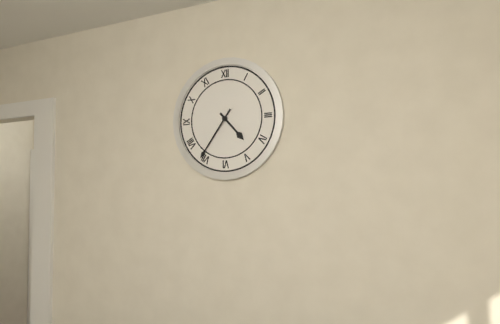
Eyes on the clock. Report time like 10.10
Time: 4.36
